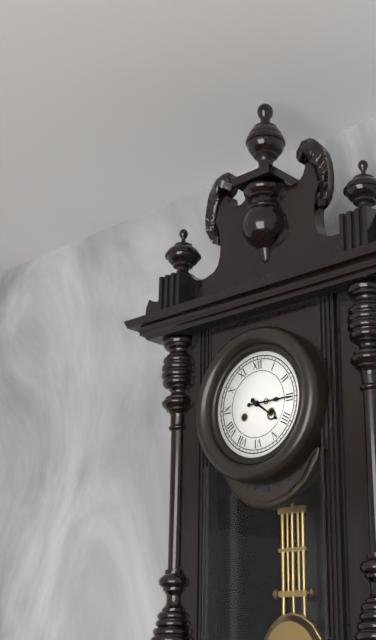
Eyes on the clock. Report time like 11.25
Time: 4.15
